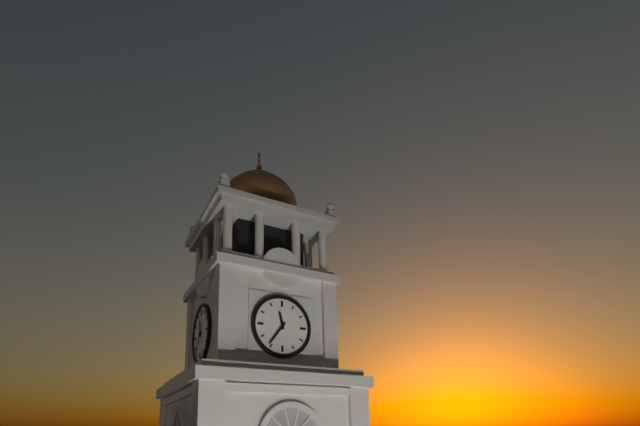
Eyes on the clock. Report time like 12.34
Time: 11.36
